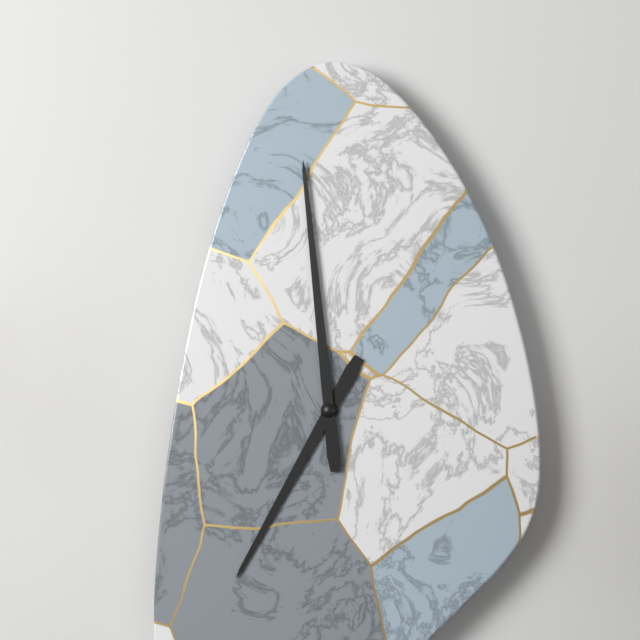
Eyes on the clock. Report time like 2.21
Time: 6.59
